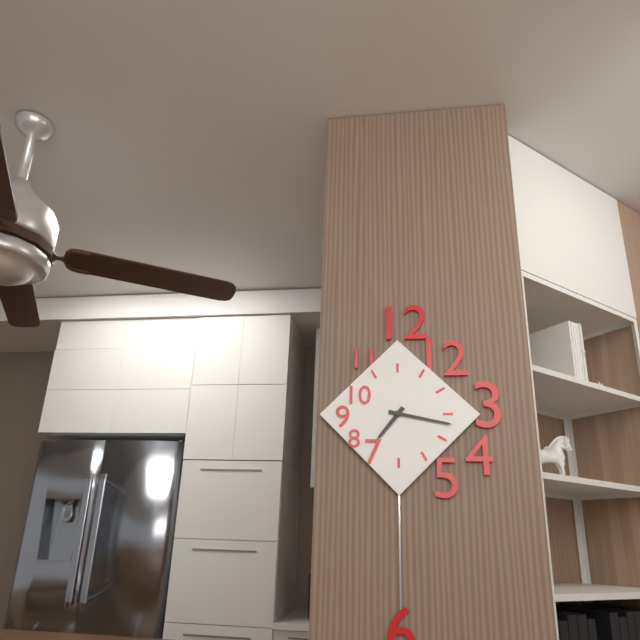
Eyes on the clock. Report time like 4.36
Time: 7.17
